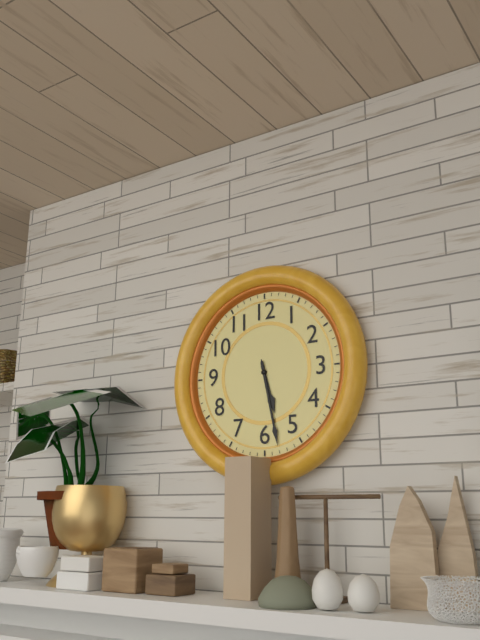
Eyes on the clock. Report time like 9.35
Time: 5.28
